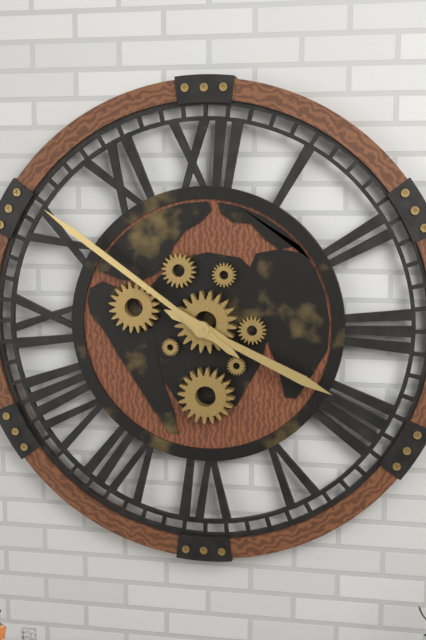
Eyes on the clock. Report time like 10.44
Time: 3.51
